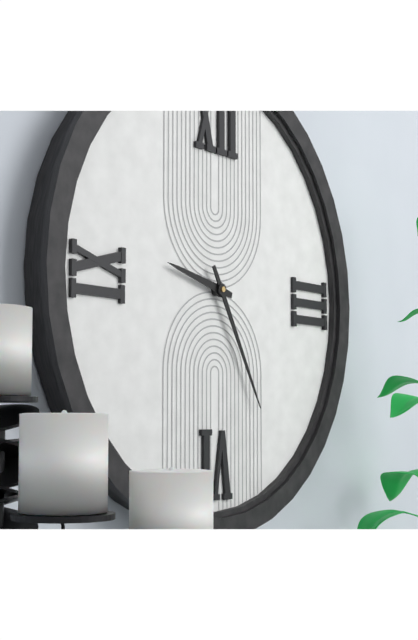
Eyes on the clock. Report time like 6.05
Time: 9.25
